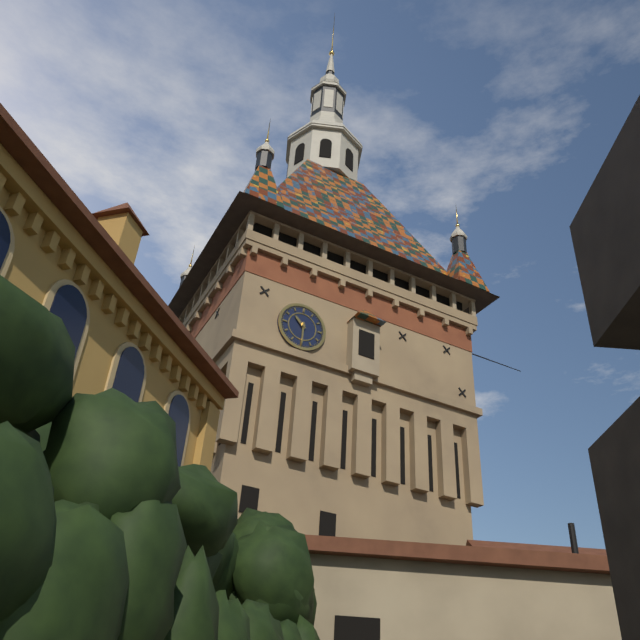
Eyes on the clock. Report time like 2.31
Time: 10.30
